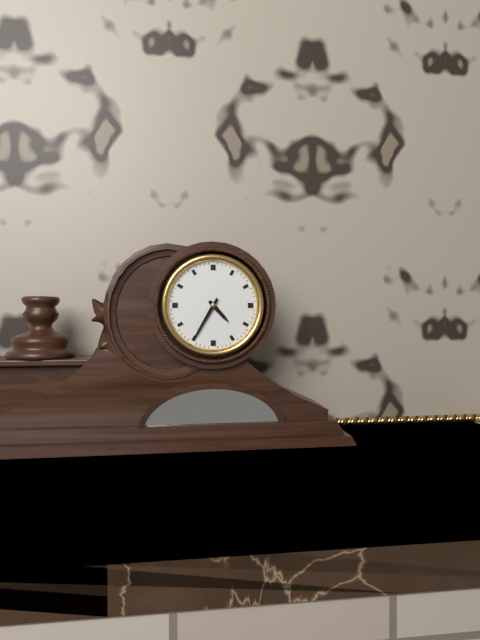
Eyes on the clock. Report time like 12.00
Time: 4.35
